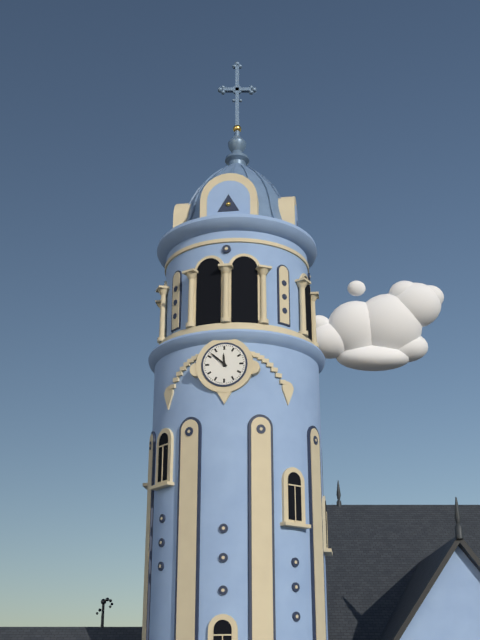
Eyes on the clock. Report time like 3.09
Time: 11.52
